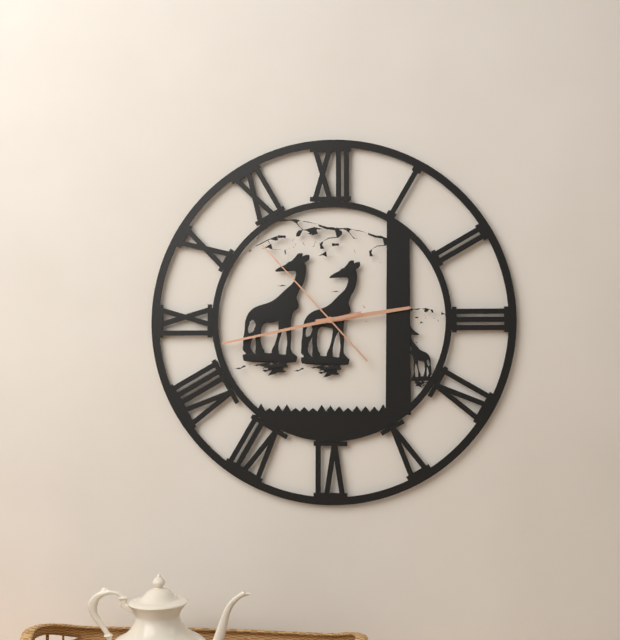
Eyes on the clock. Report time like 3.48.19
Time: 2.43.53
